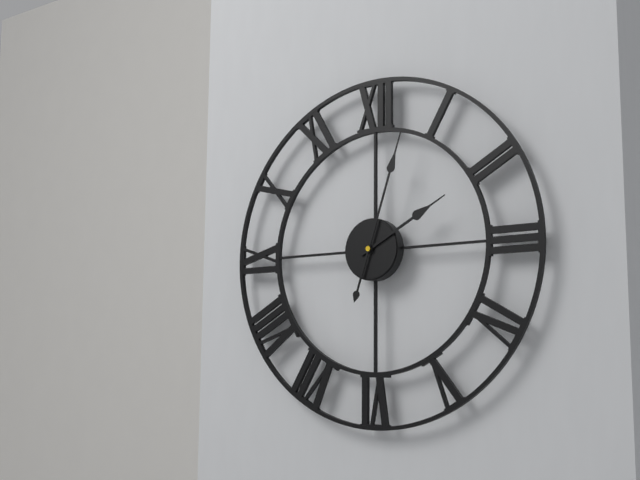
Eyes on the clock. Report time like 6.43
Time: 2.03
